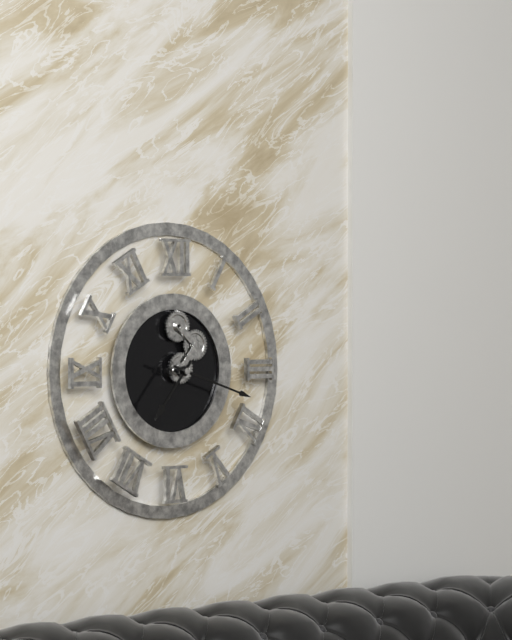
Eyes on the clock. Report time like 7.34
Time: 7.18
